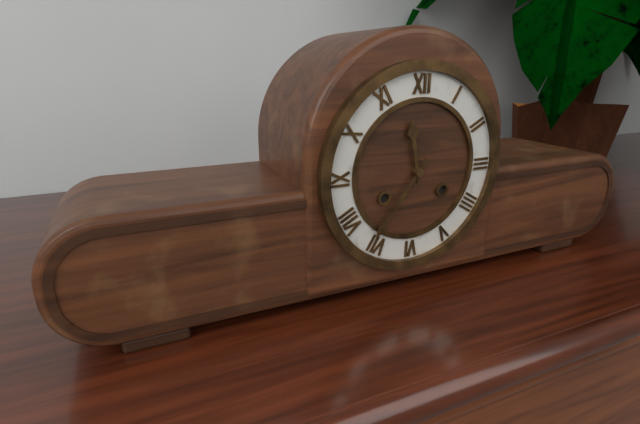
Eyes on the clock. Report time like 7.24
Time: 11.36
